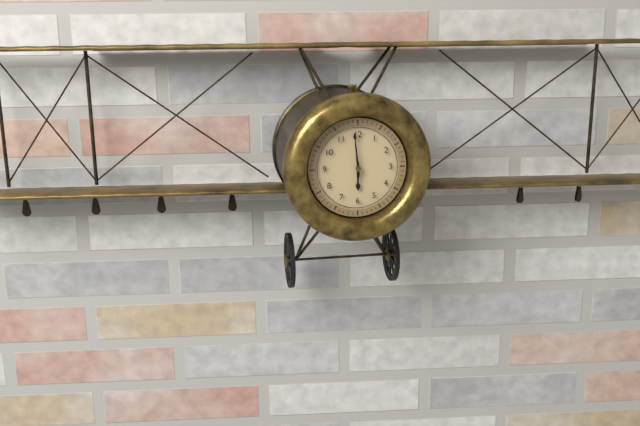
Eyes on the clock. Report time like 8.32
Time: 5.59
